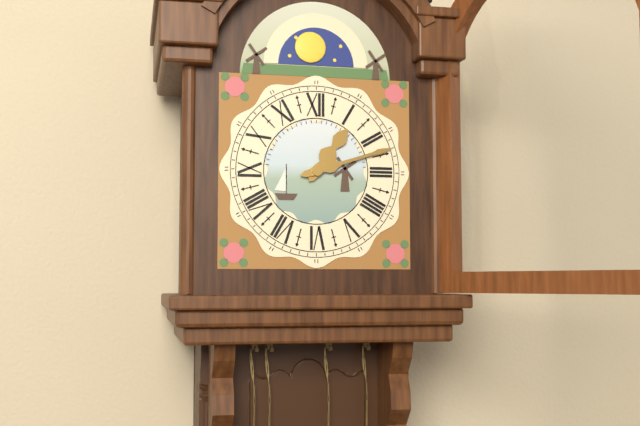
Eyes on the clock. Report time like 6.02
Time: 1.12
